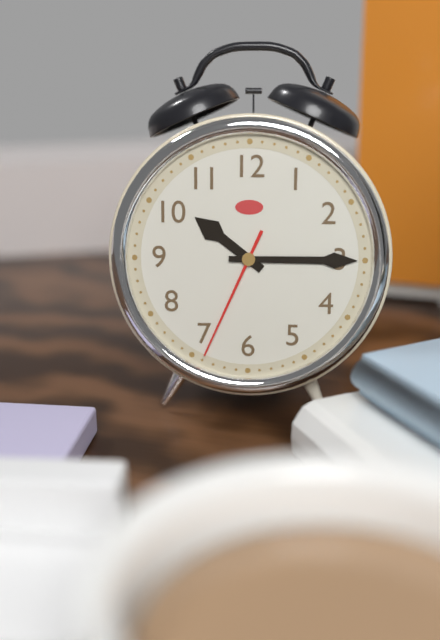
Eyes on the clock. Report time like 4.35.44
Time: 10.15.34
